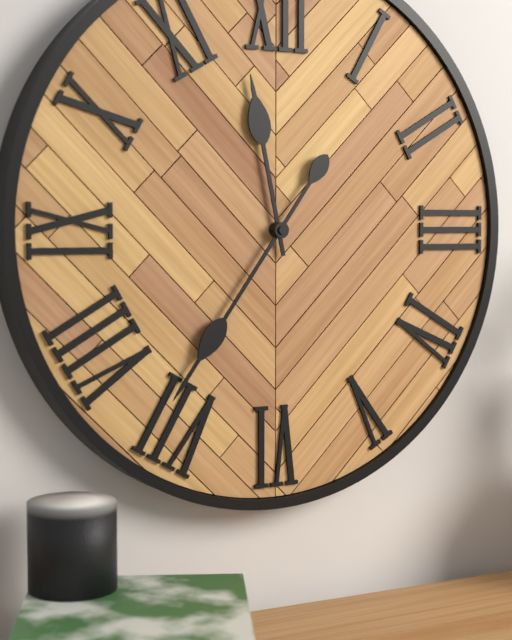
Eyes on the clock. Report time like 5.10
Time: 11.36
